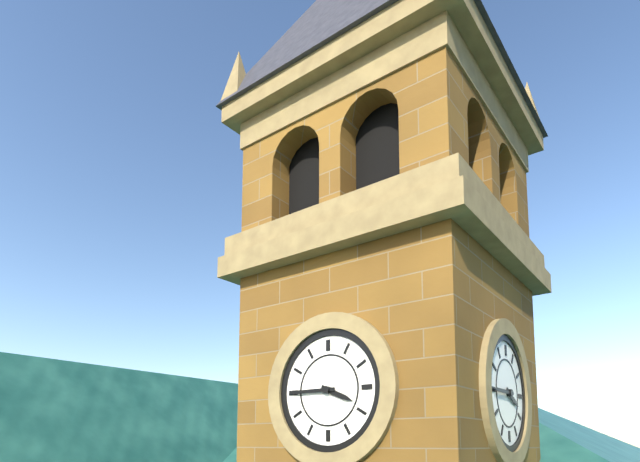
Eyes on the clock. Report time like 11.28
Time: 3.45
